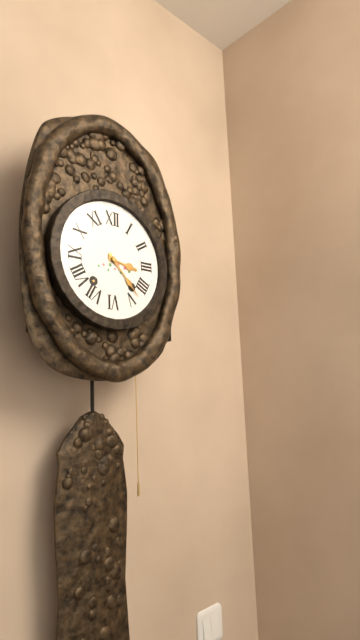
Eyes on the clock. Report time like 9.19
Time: 3.23
